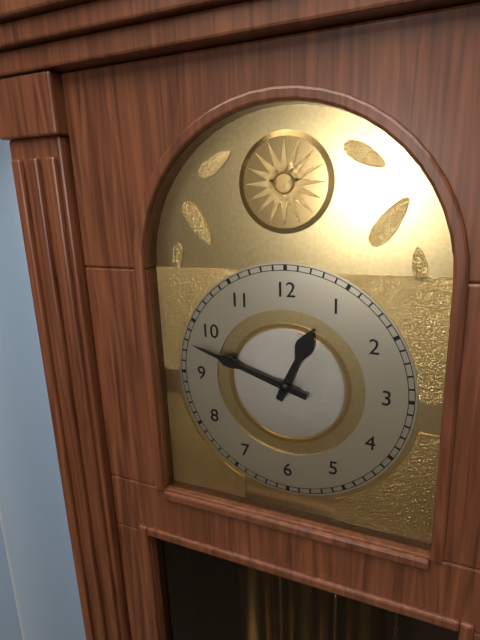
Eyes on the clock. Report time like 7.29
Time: 12.48
